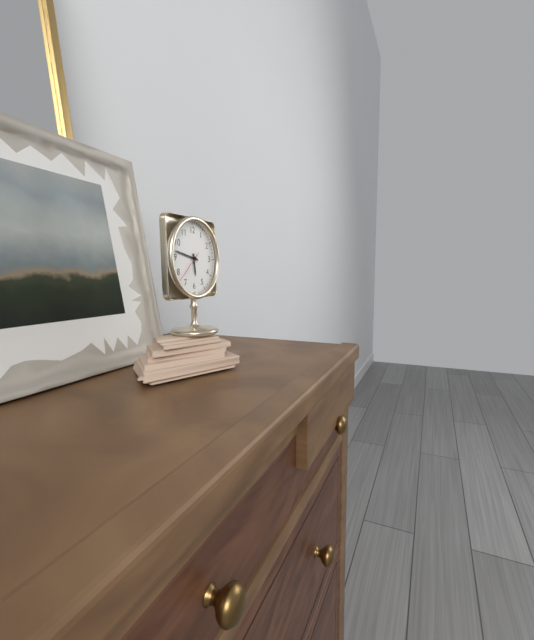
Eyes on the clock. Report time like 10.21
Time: 5.47
